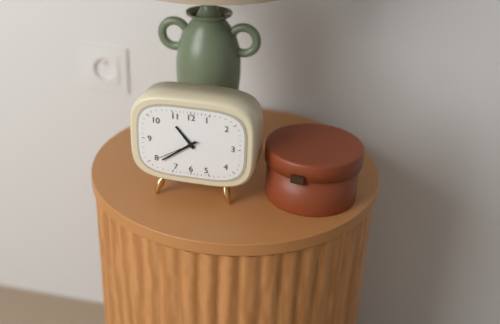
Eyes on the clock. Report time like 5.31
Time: 10.39
